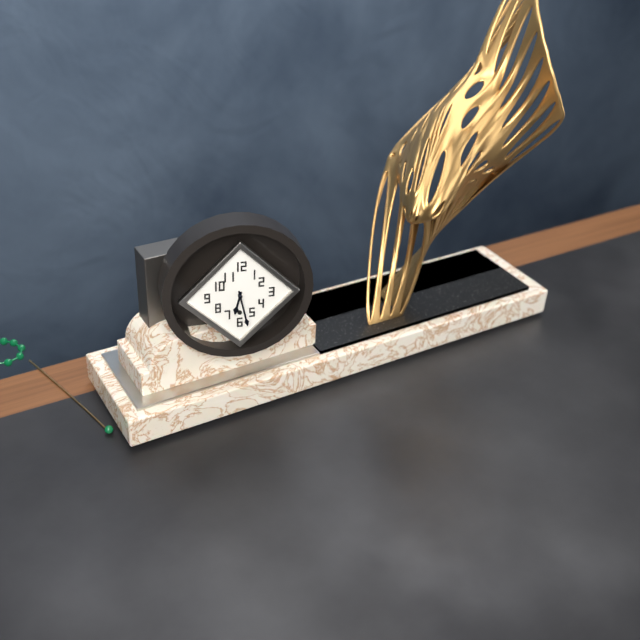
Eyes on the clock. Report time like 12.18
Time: 6.28
